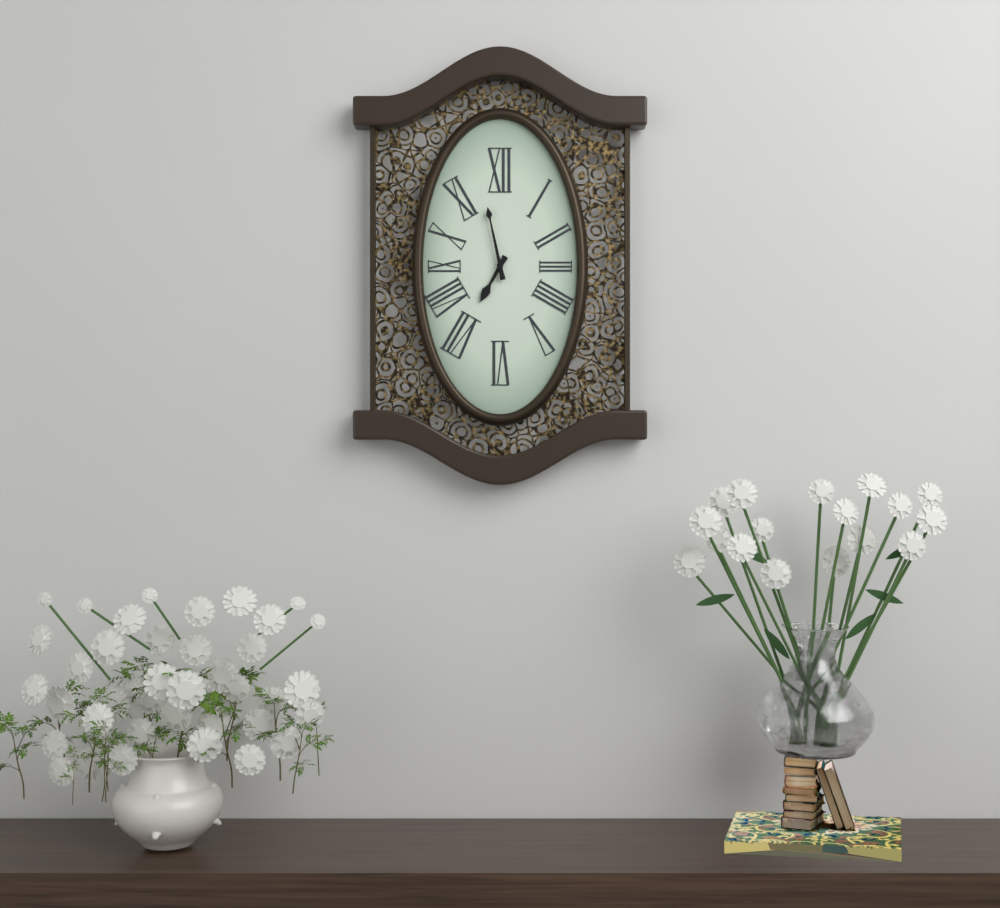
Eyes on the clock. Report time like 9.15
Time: 6.58
